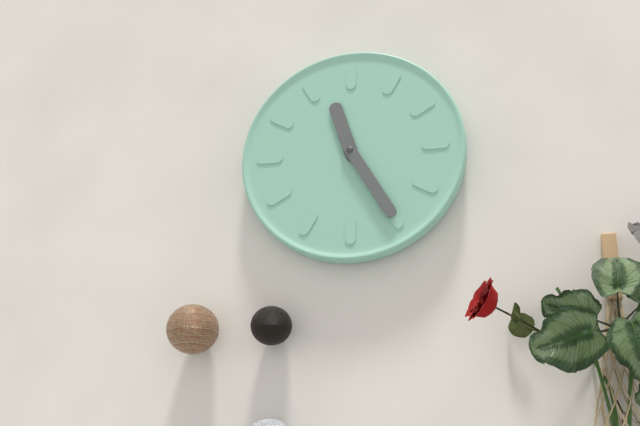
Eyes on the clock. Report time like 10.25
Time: 11.25
